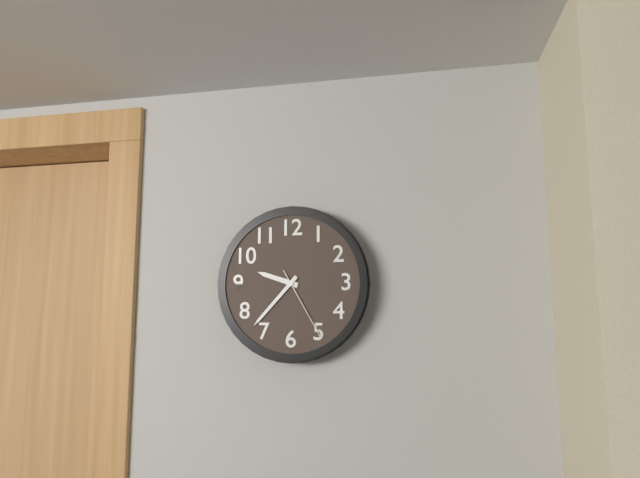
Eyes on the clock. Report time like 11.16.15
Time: 9.37.25
